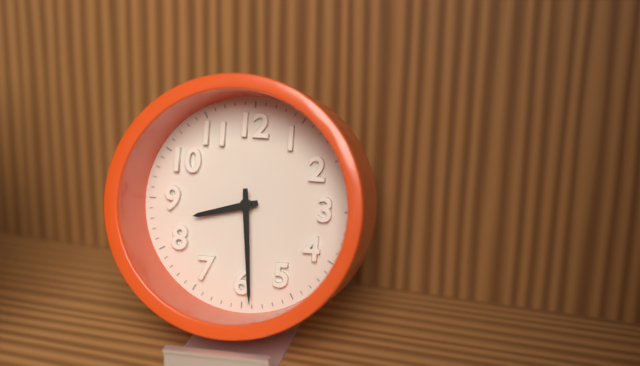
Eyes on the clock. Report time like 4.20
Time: 8.29
